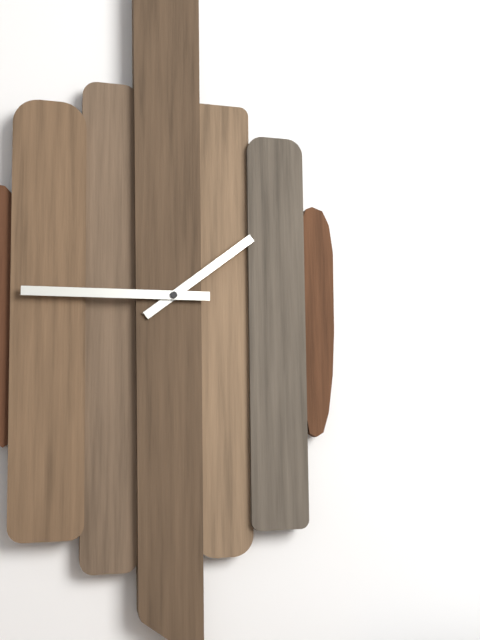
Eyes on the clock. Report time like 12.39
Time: 1.45
